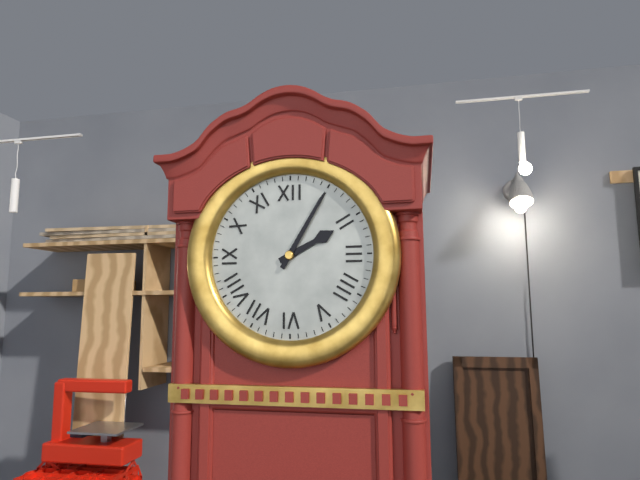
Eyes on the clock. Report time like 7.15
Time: 2.05
